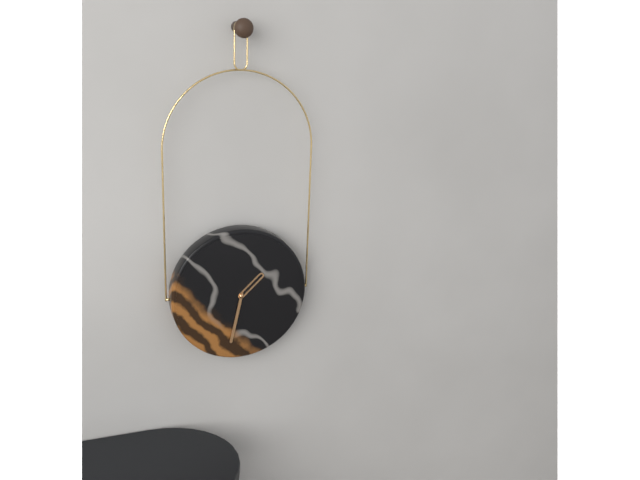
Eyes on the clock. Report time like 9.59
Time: 1.32
